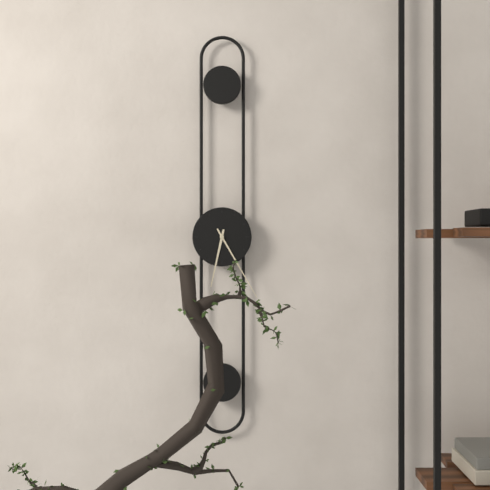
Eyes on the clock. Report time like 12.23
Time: 6.25
